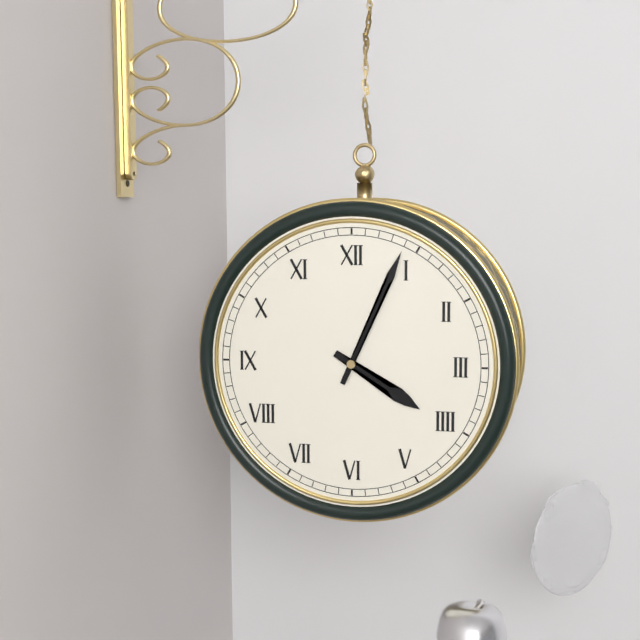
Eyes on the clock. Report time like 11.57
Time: 4.04
